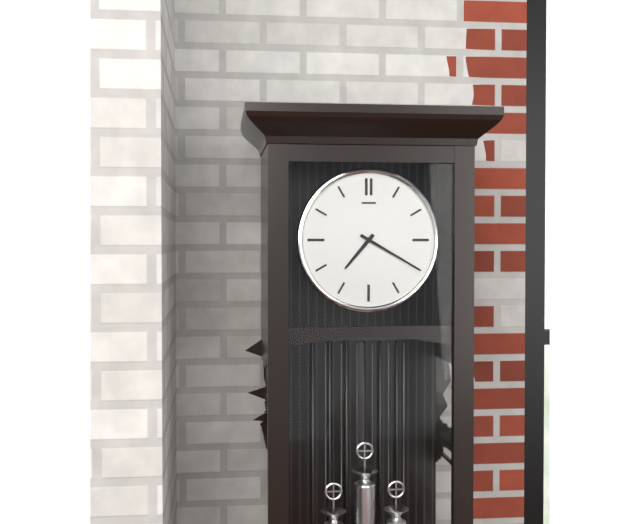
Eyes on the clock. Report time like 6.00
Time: 7.20
